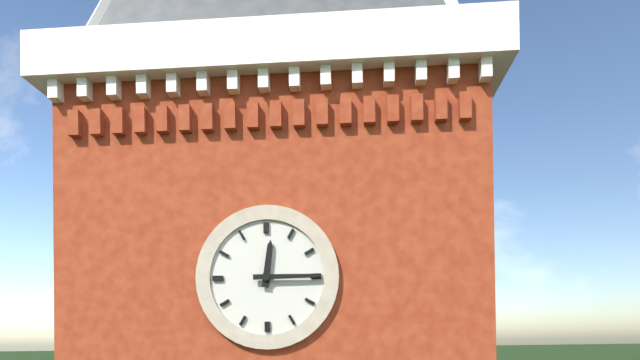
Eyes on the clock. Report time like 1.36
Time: 12.15
